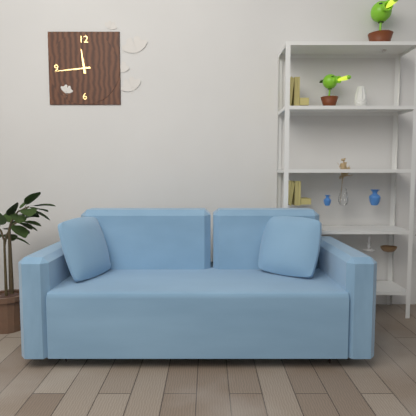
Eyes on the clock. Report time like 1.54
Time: 11.44
